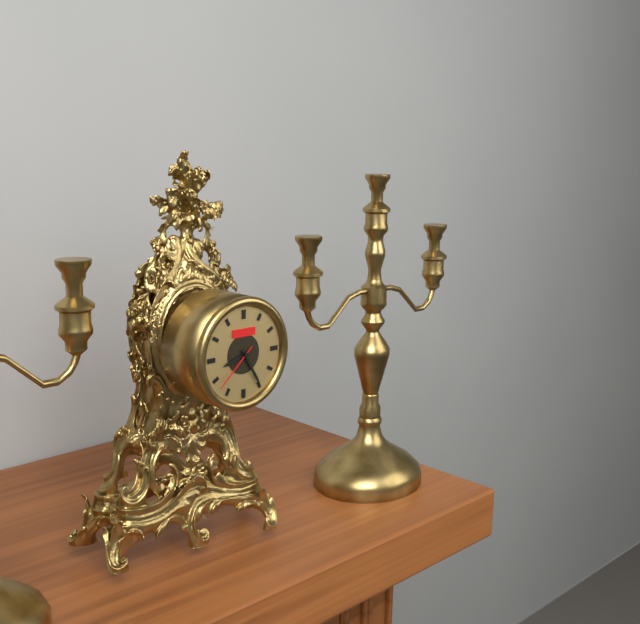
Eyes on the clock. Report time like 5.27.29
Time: 8.25.38
